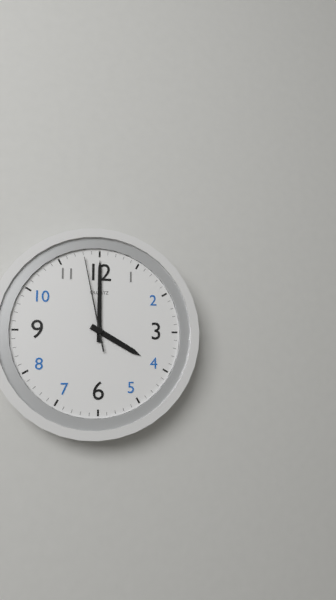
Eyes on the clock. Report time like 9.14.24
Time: 4.00.58
